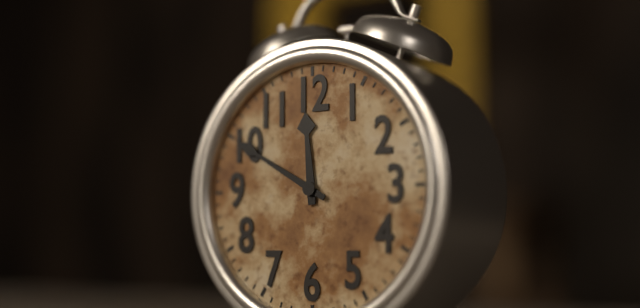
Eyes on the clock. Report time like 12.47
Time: 11.50
